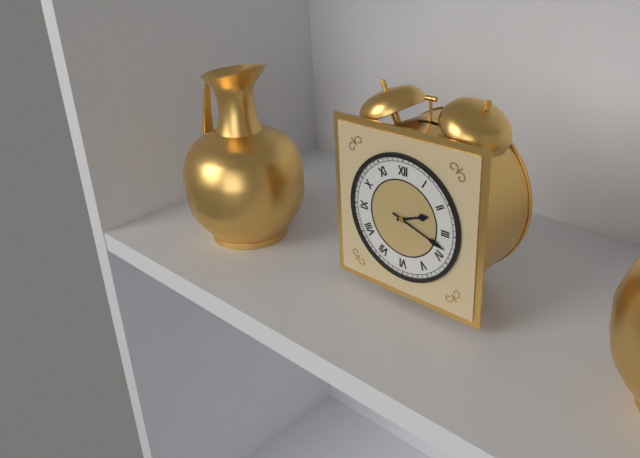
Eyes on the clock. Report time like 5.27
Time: 2.18
